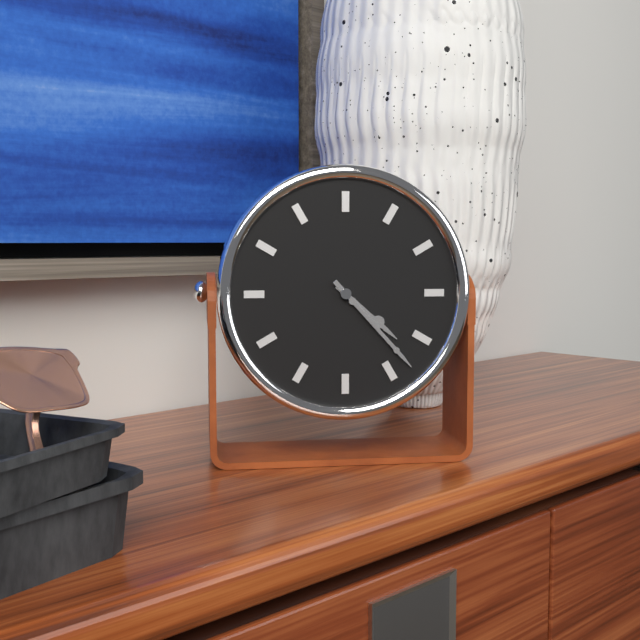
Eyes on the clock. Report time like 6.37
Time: 4.23
